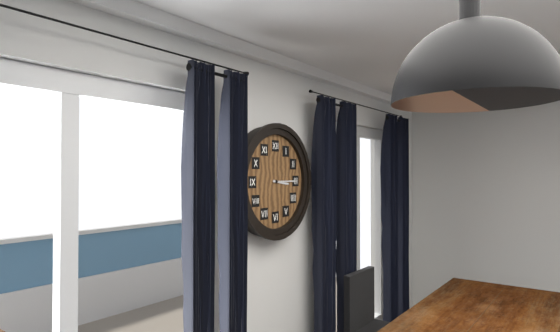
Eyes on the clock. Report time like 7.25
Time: 3.15
